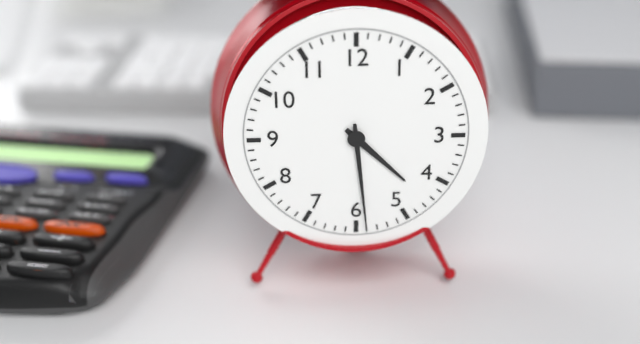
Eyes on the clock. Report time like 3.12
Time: 4.29
